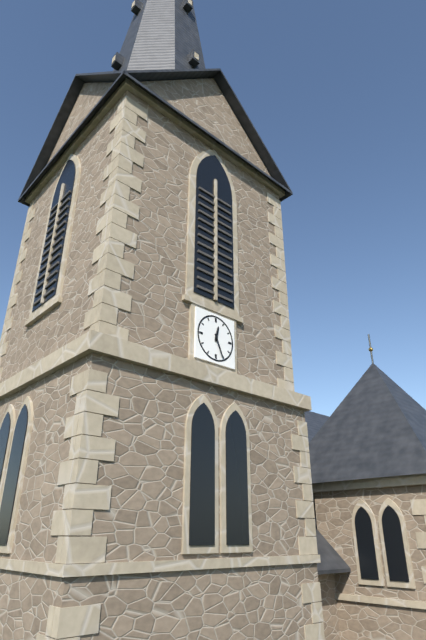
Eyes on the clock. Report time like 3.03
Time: 12.26
